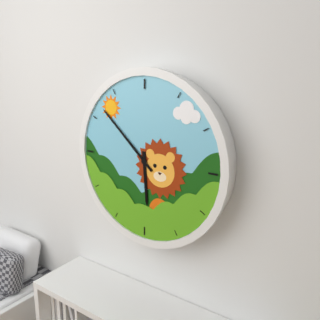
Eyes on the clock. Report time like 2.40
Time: 5.52
